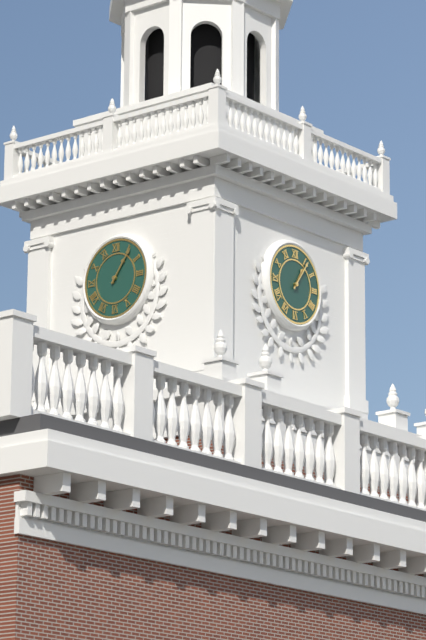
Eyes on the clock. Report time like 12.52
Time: 1.06
